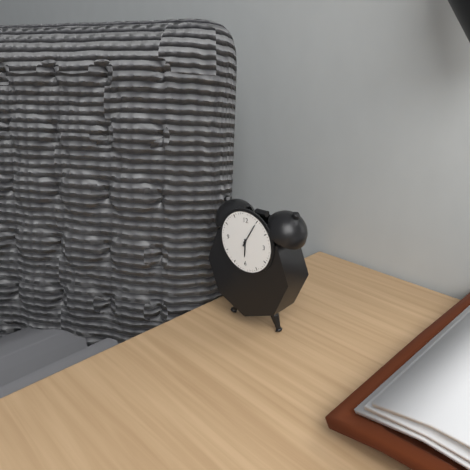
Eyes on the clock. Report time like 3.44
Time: 6.05
